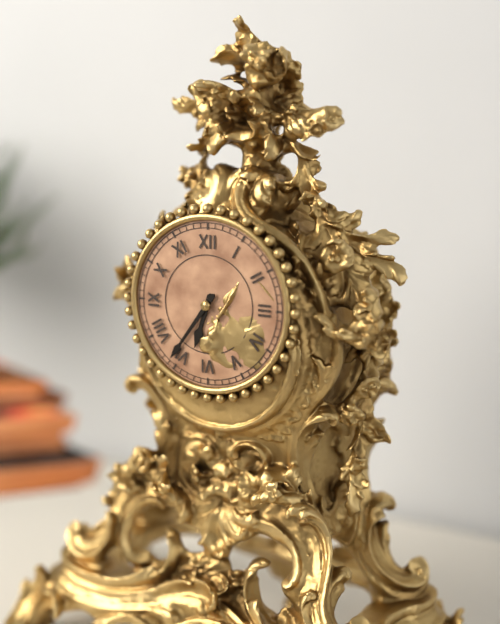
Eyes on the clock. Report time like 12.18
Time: 6.36
